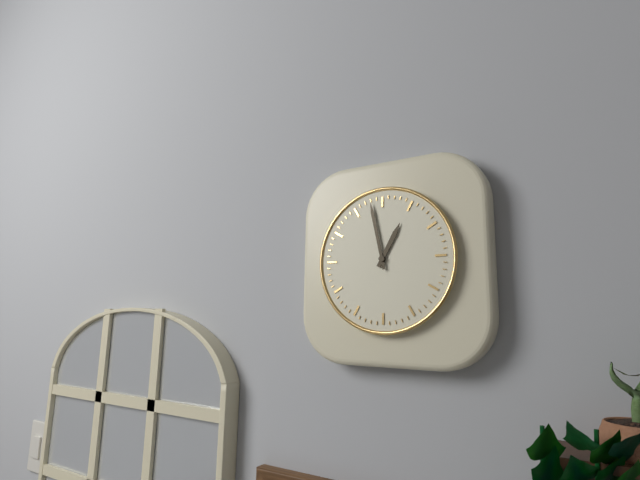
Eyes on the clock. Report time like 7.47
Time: 12.58
